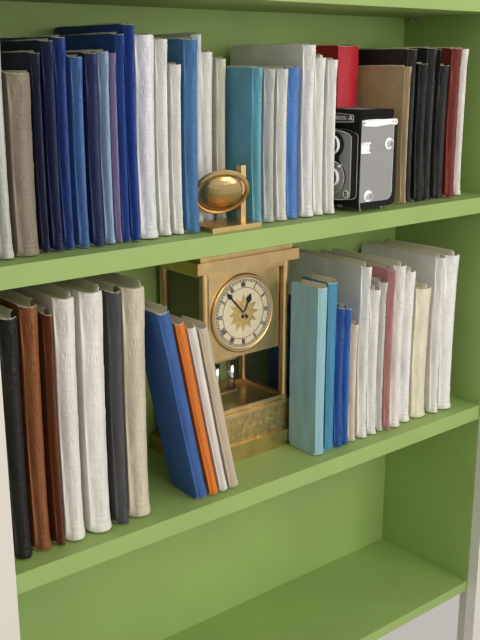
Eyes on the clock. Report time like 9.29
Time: 12.53
